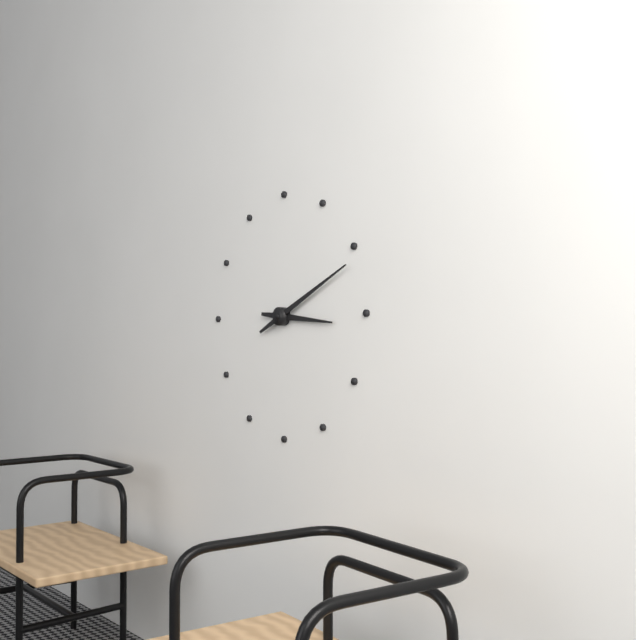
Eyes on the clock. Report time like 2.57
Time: 3.11
